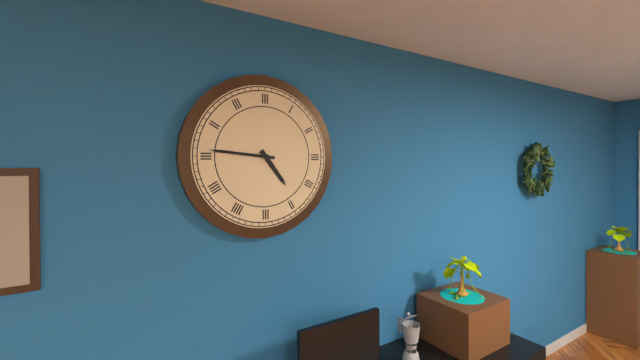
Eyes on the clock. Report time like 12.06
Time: 4.46
